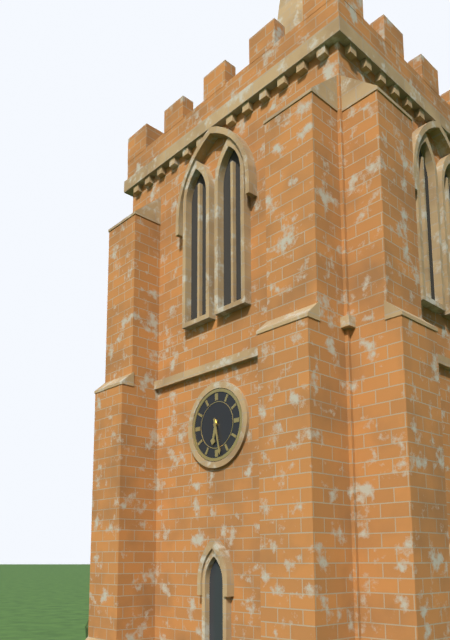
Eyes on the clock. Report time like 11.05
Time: 6.28
